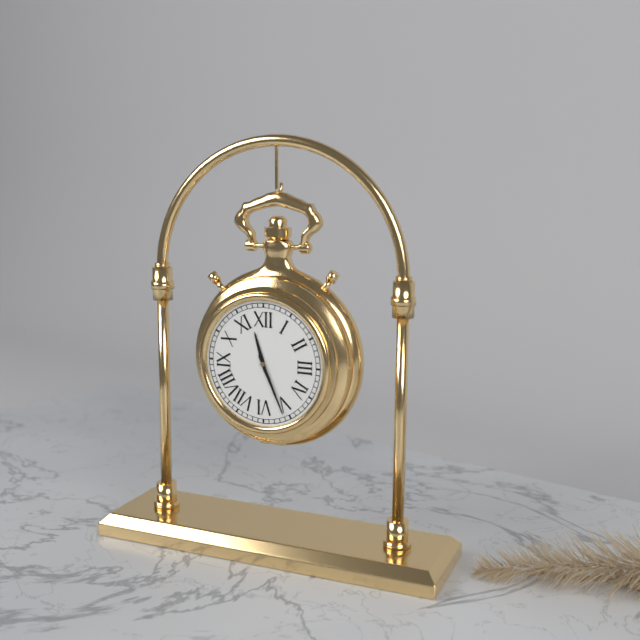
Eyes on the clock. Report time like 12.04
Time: 11.26
